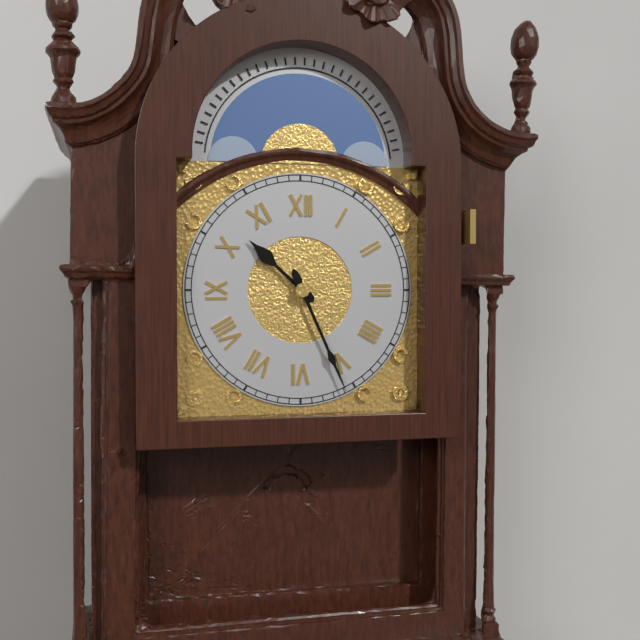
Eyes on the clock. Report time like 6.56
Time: 10.26
